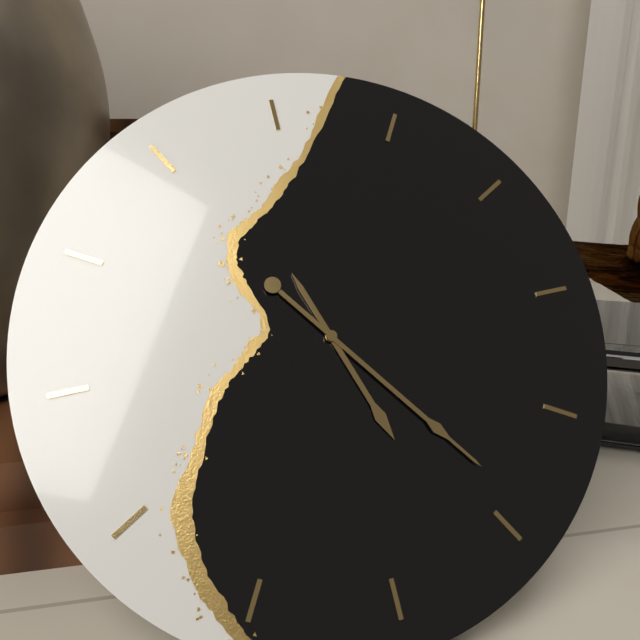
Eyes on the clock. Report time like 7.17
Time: 5.24
